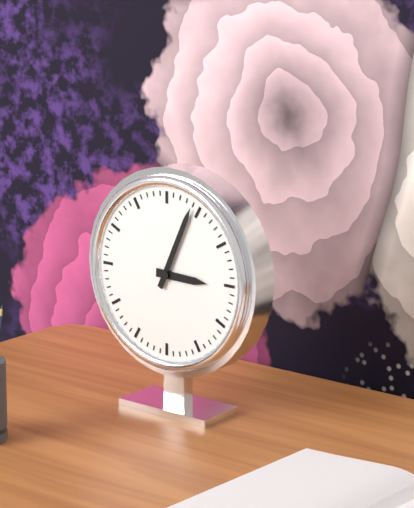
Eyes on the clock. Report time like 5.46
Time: 3.04
